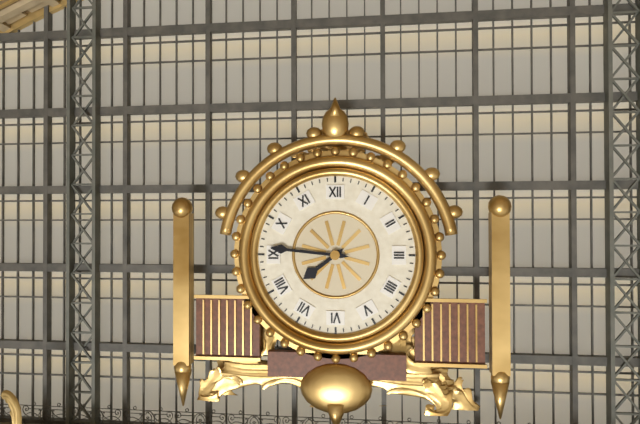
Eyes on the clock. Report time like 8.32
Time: 7.46
